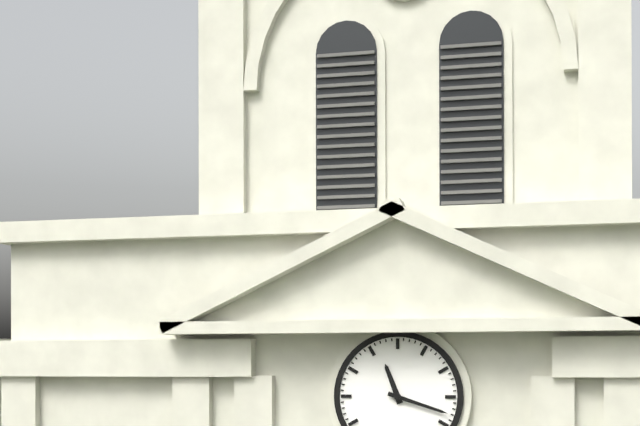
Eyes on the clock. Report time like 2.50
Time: 11.18
